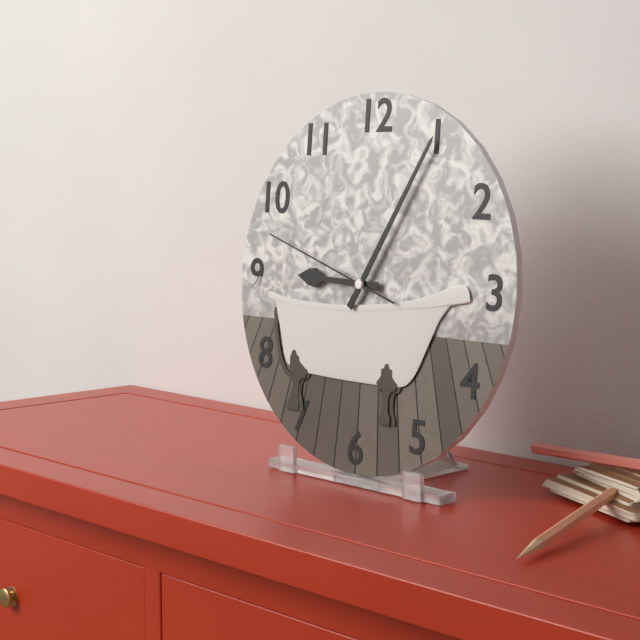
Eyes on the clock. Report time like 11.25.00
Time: 9.05.48
